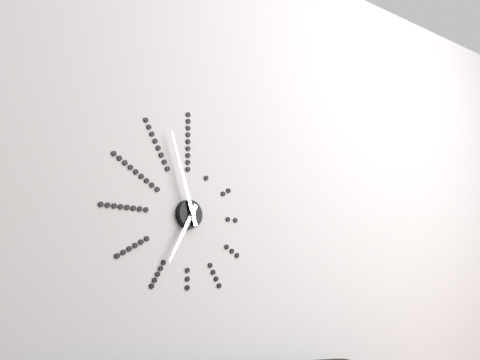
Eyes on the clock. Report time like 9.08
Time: 6.57
